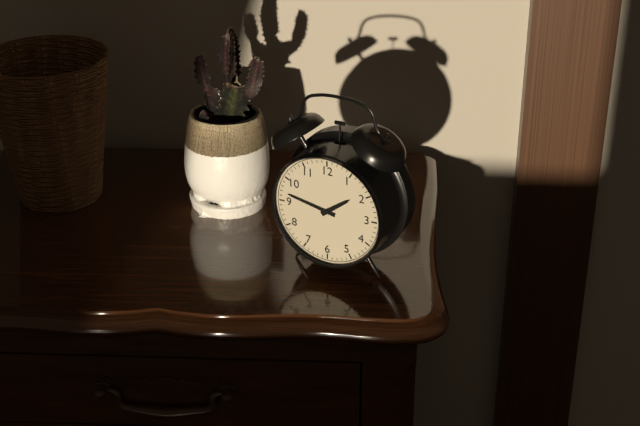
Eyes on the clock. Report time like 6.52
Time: 1.47
